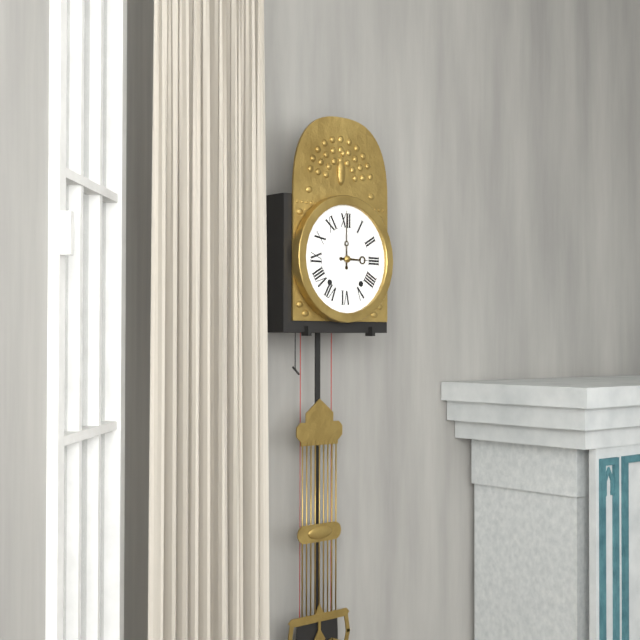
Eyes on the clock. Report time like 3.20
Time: 3.00
